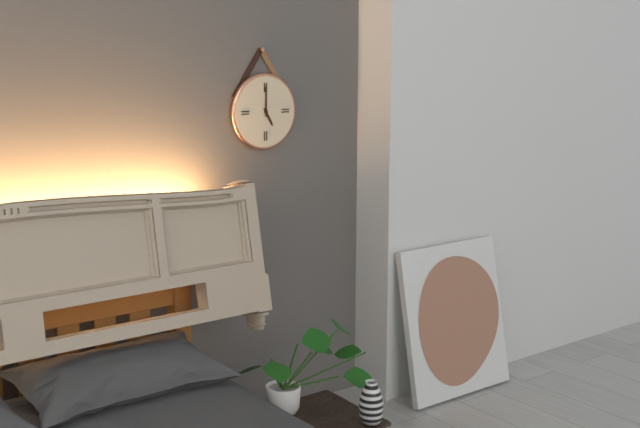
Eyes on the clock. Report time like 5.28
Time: 5.00
